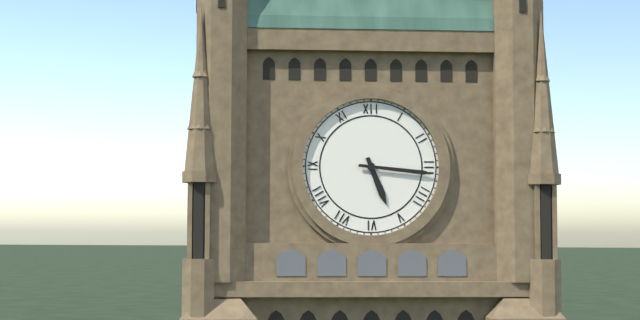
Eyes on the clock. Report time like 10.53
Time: 5.16
